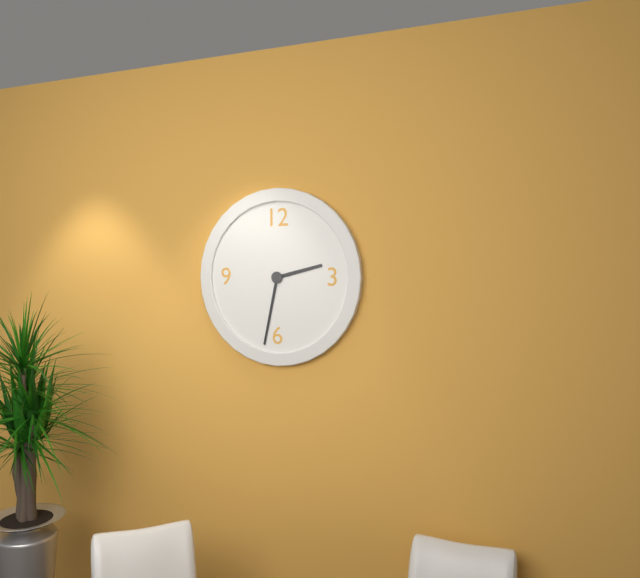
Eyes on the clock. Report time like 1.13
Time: 2.32
